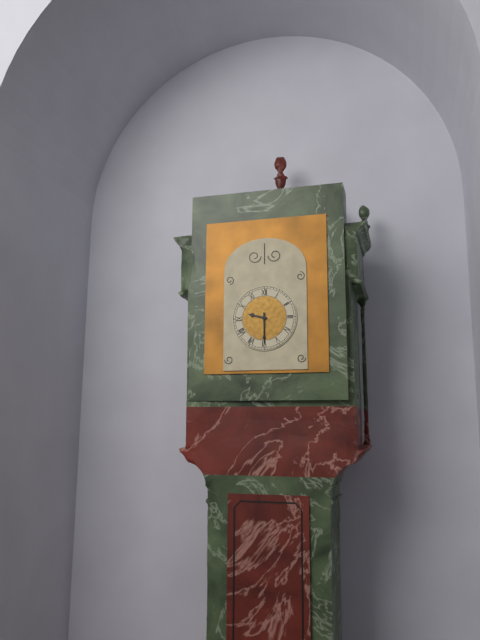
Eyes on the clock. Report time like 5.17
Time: 9.30
